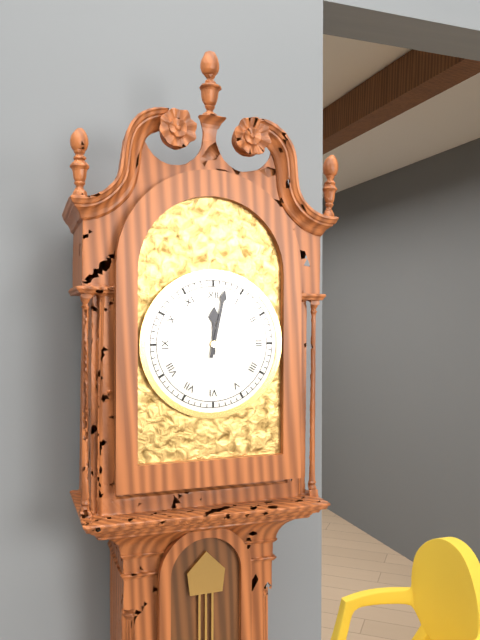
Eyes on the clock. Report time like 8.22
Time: 12.02
